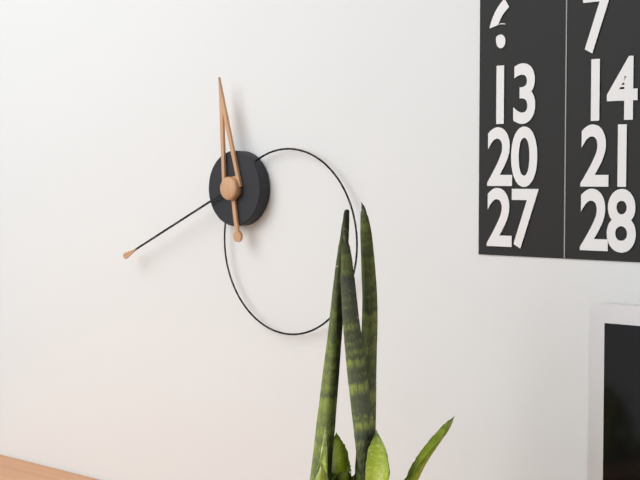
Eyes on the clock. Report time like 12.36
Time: 11.41
